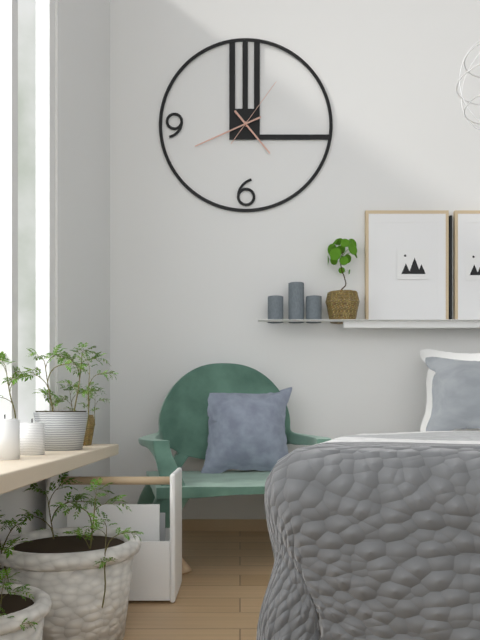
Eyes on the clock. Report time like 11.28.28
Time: 4.41.06
